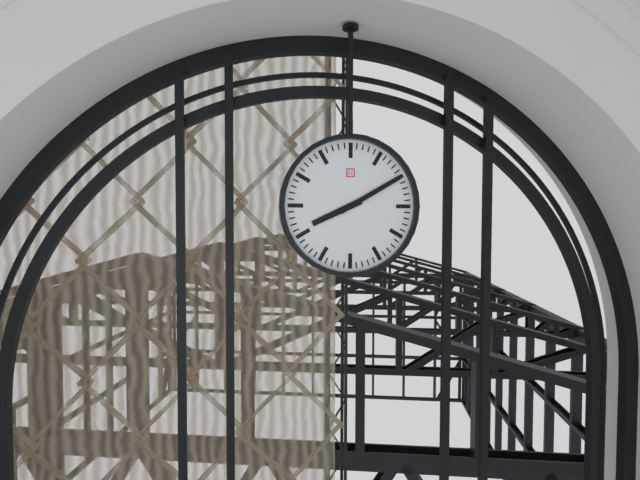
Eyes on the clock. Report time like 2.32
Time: 8.10
